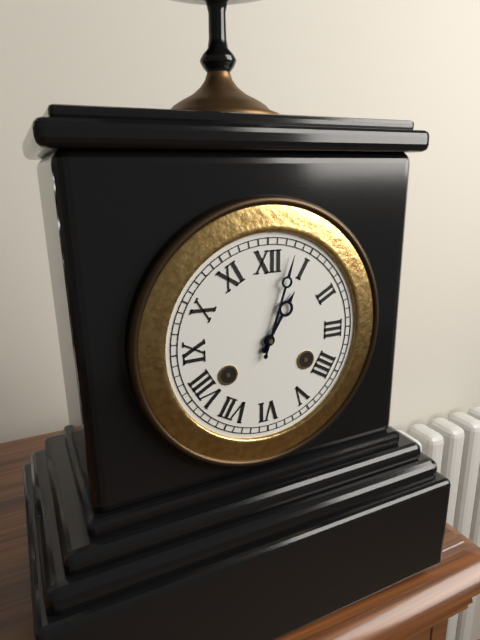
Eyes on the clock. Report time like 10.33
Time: 1.03
